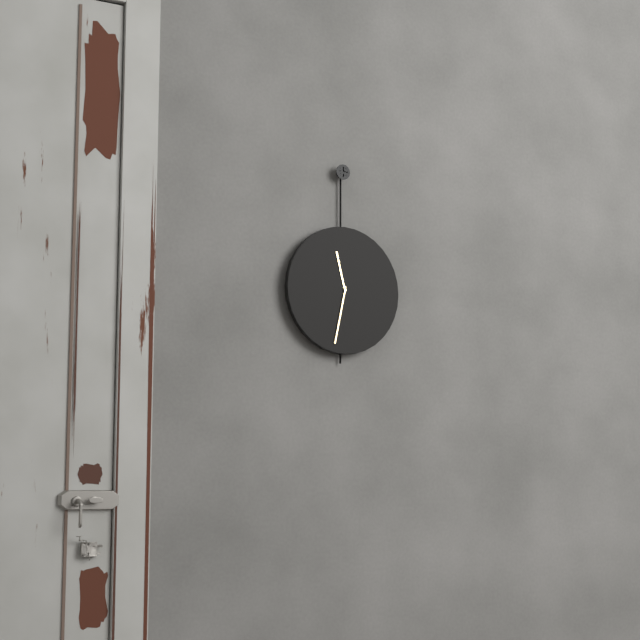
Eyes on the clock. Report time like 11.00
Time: 11.32
